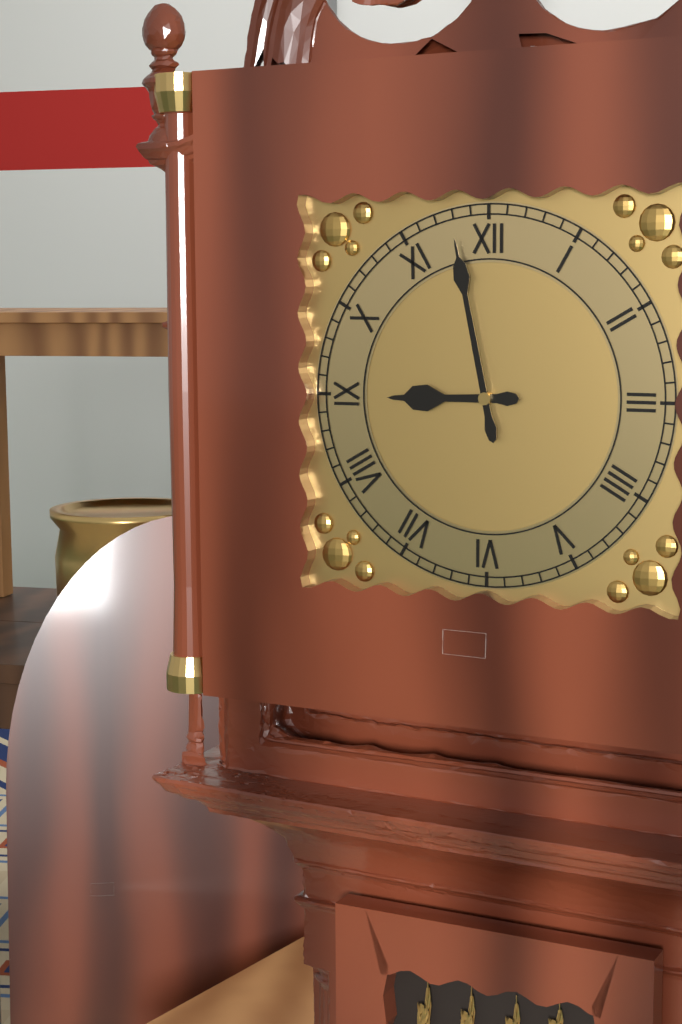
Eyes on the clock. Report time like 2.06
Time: 8.58
